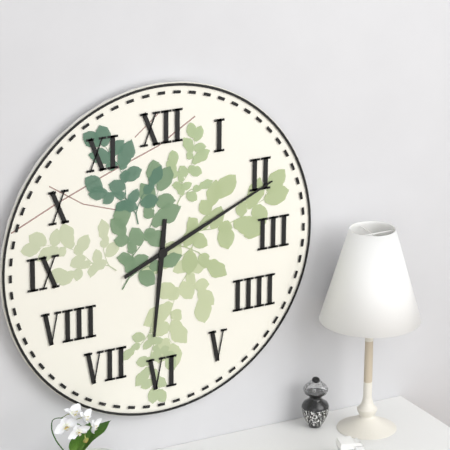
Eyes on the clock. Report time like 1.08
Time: 6.11
